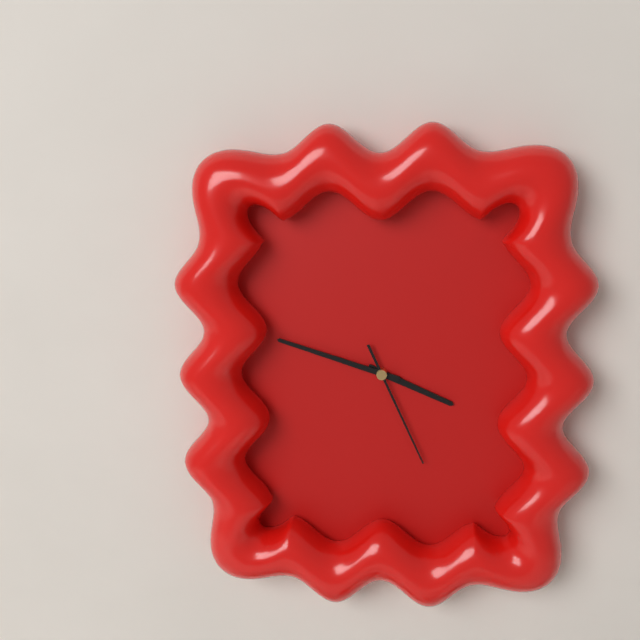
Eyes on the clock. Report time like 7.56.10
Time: 3.48.26
